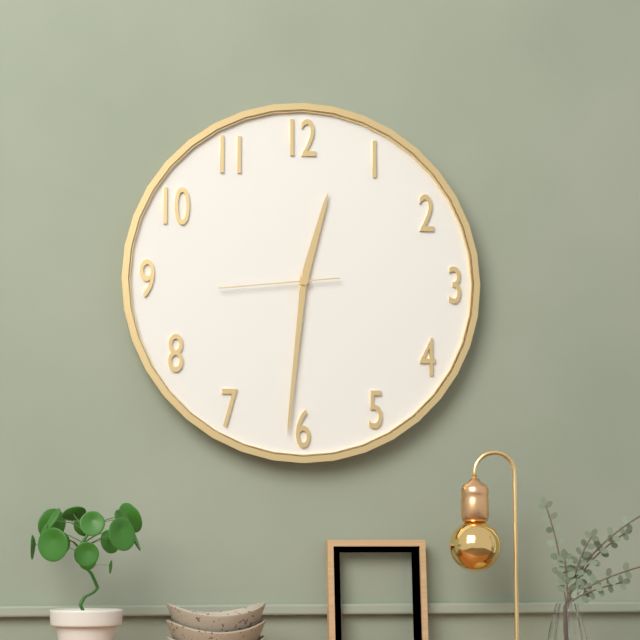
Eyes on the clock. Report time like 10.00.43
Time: 12.31.44
